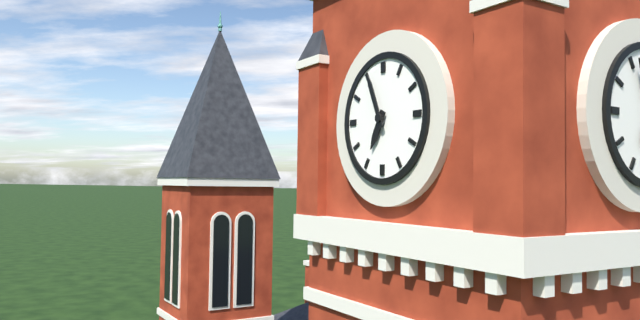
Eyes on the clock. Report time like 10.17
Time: 6.56
